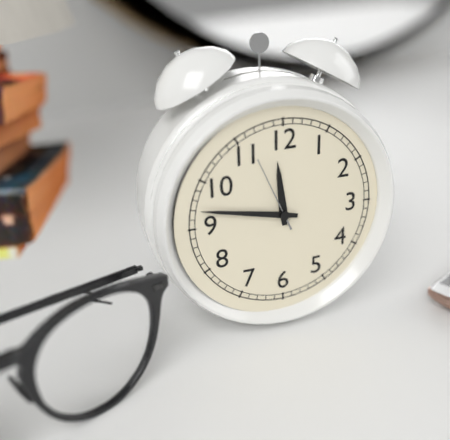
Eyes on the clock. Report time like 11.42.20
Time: 11.47.56
